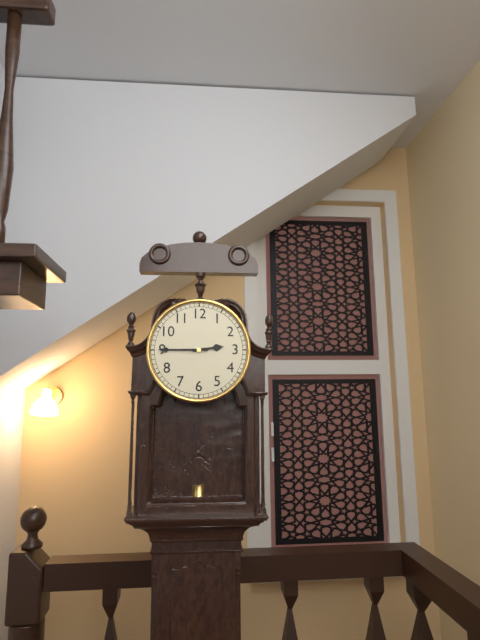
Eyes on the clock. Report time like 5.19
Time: 2.45
